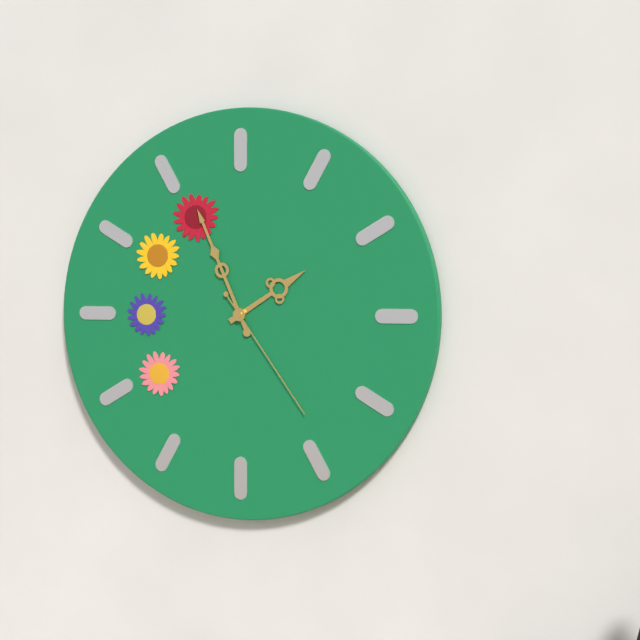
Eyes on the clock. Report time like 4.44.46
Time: 1.56.24
